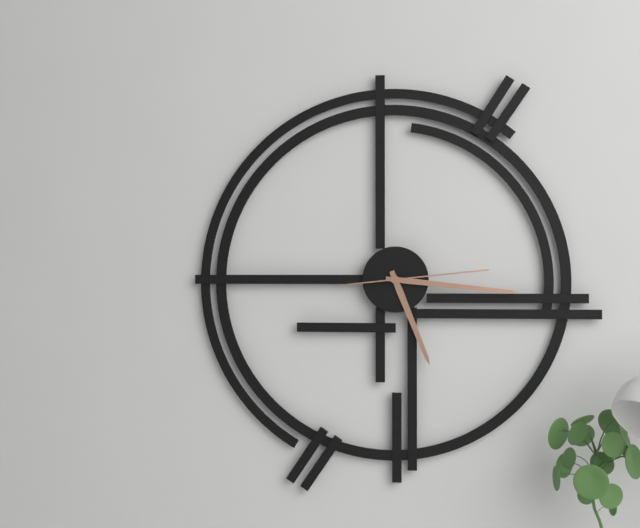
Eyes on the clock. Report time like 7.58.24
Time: 5.16.14
